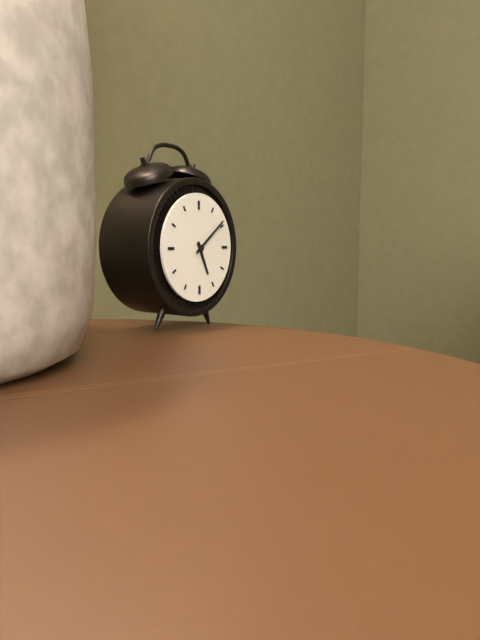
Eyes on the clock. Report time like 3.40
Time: 5.09
